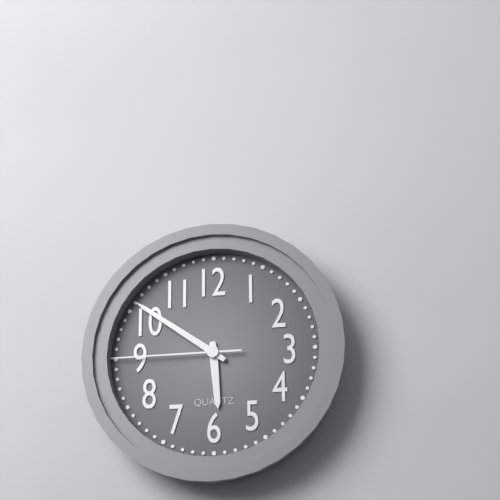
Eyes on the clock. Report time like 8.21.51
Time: 5.51.45
